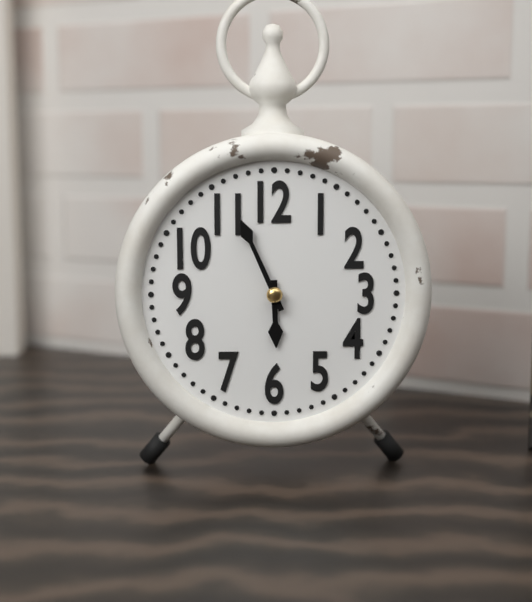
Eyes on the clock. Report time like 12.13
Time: 5.56
